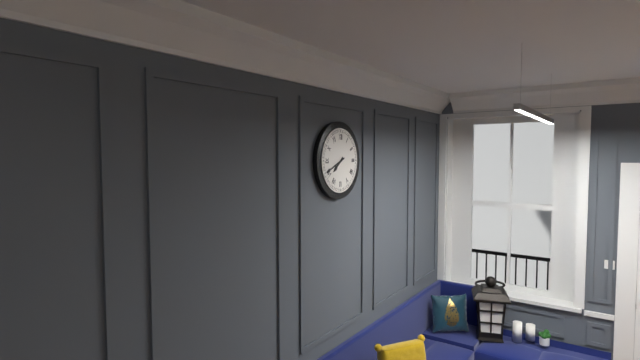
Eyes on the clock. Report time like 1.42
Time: 7.41
